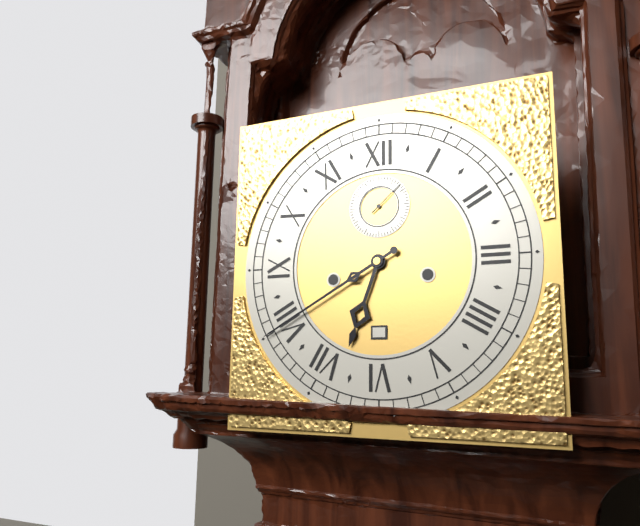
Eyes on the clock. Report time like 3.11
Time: 6.40
